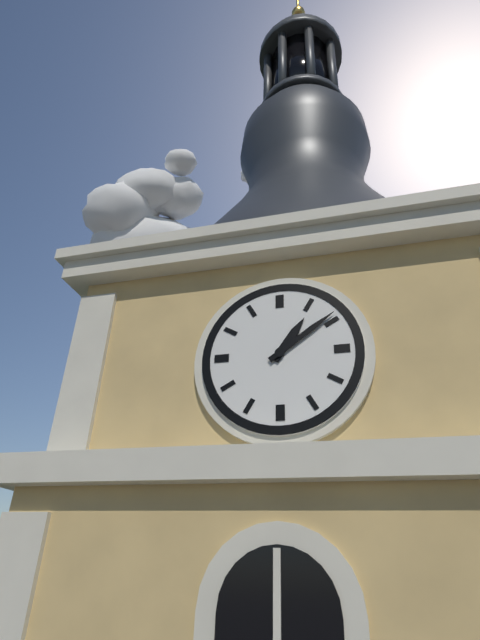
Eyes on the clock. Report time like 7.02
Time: 1.09
